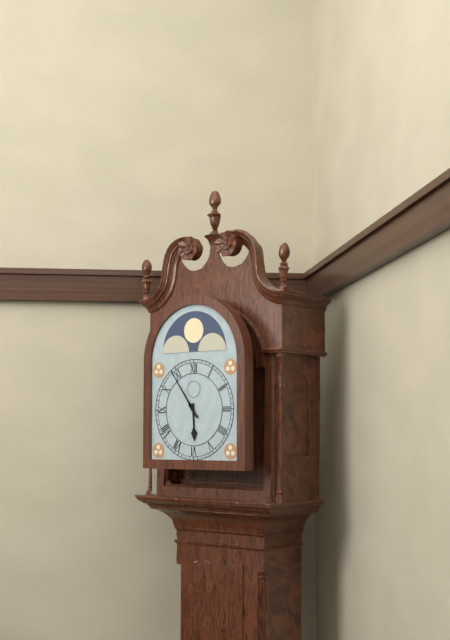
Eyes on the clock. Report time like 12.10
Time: 5.54
